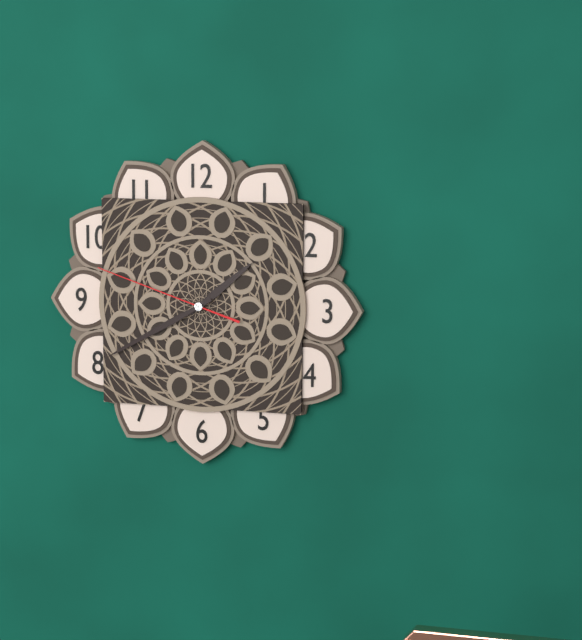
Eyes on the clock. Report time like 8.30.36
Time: 1.40.48
